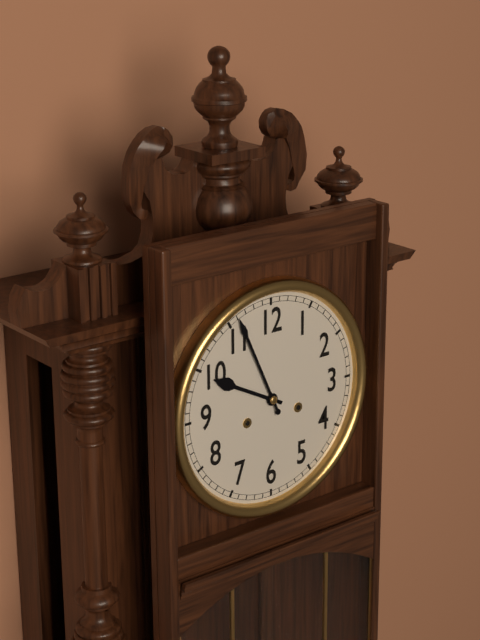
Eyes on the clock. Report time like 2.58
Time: 9.56
